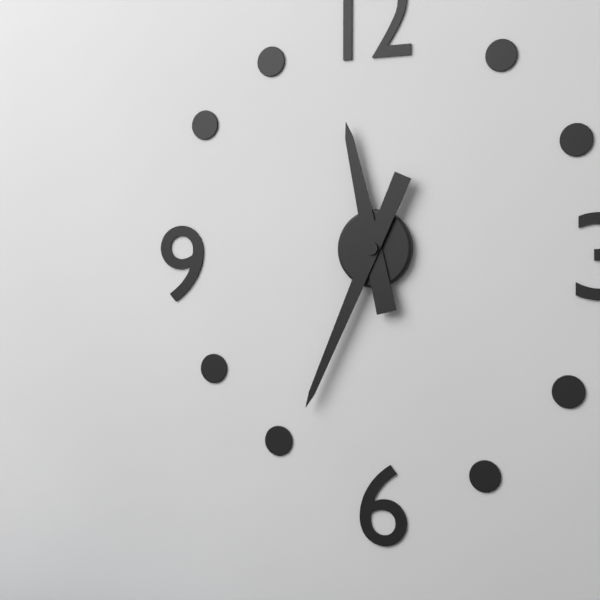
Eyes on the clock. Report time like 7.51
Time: 11.34
